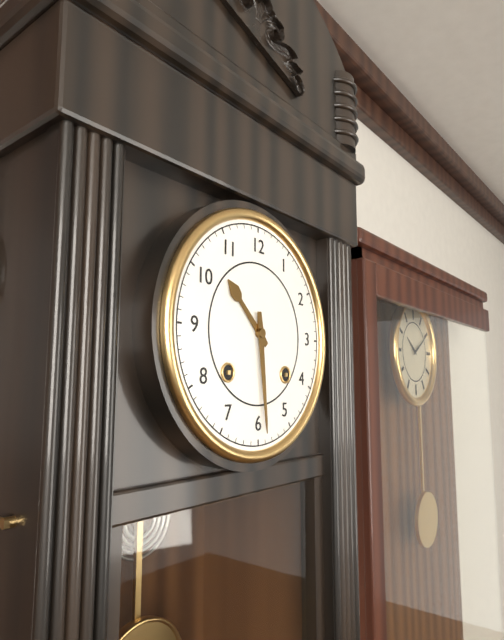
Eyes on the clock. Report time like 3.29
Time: 10.29
